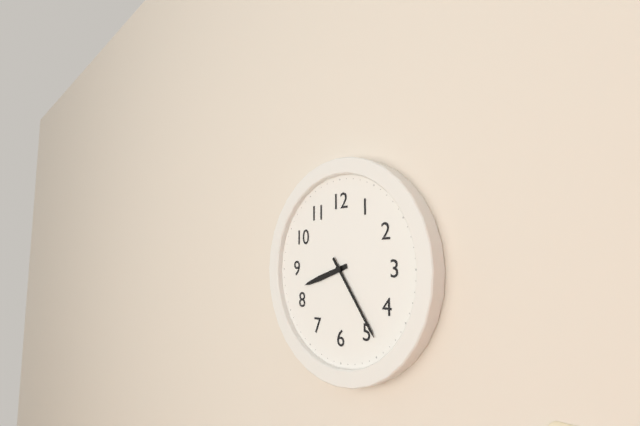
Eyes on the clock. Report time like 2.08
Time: 8.24
